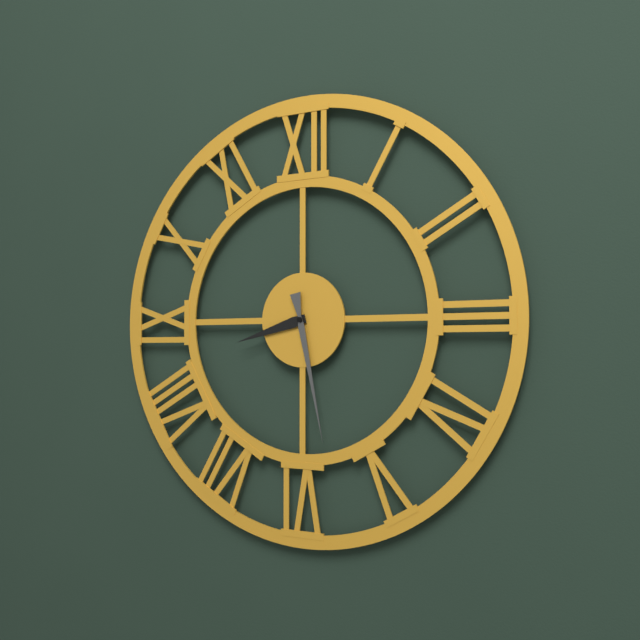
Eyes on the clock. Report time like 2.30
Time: 8.28
